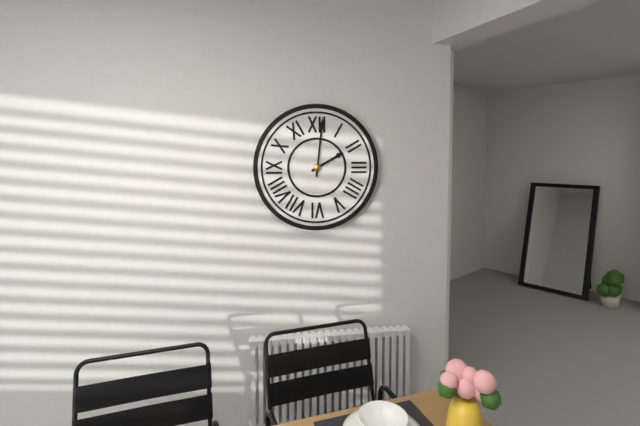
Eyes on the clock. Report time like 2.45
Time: 2.01
